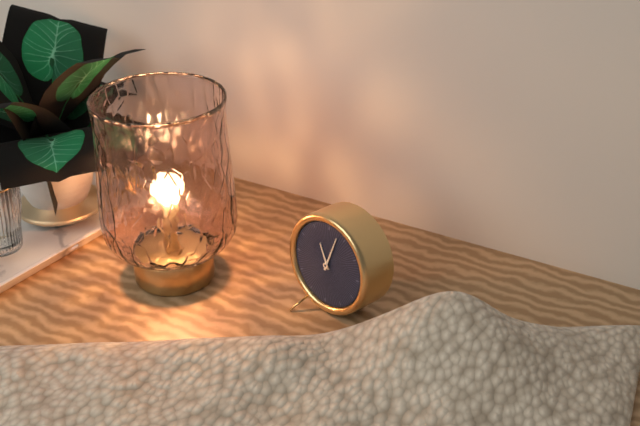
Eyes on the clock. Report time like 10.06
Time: 11.03
